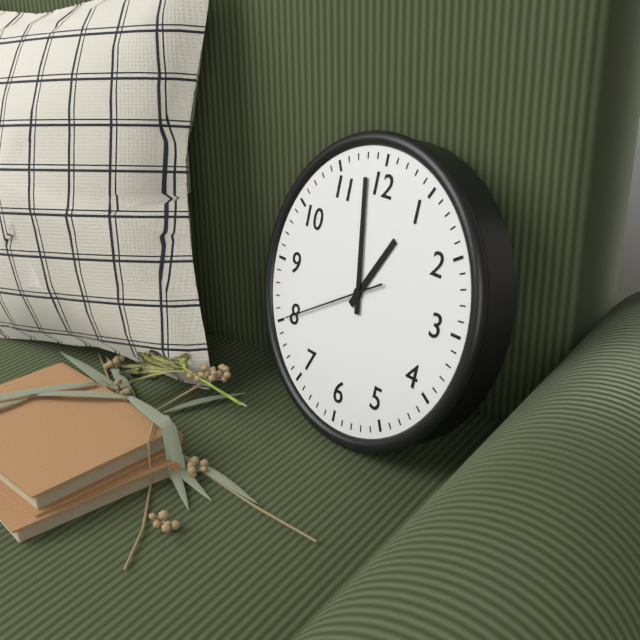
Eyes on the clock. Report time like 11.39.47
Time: 12.58.40
